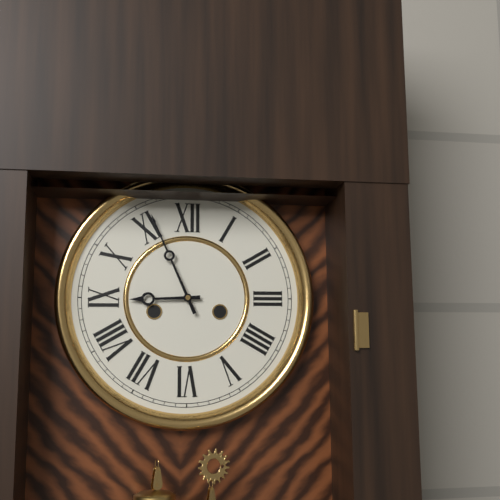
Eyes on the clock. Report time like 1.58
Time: 8.56
